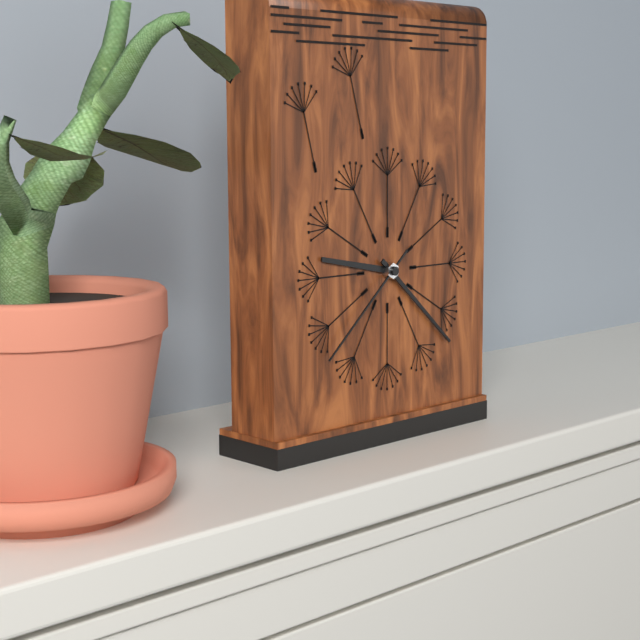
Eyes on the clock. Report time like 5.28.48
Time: 9.22.38
